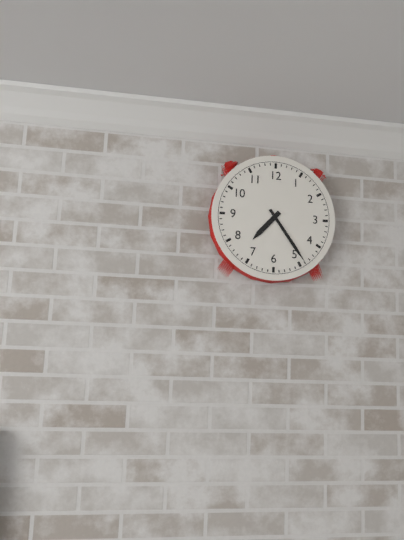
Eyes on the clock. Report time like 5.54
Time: 7.24
